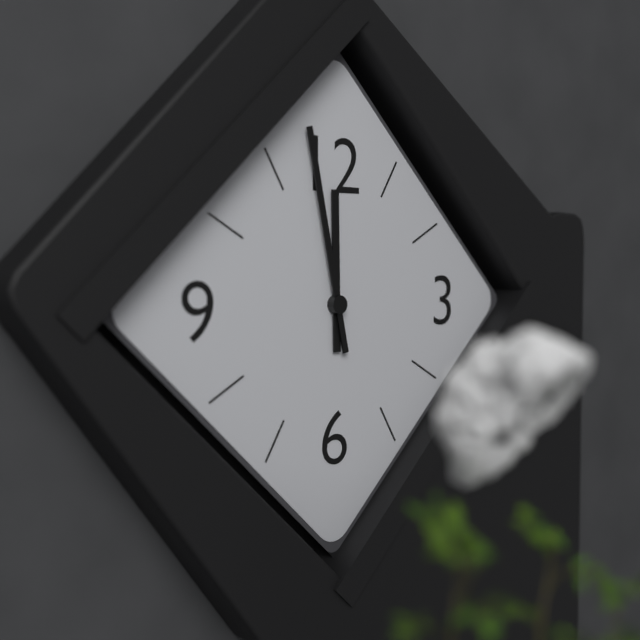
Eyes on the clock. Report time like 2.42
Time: 11.58
